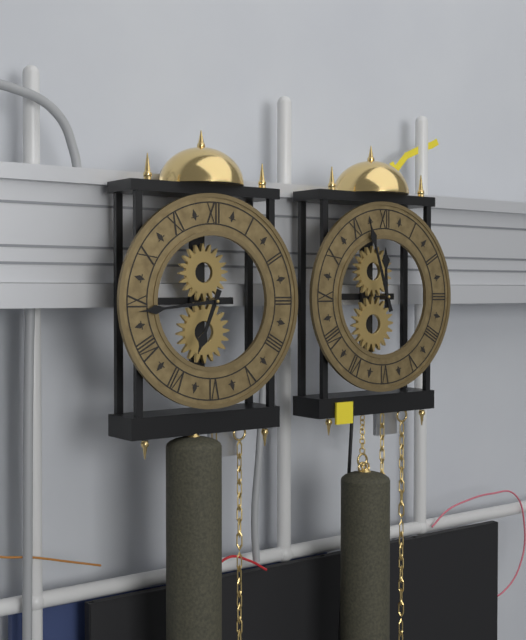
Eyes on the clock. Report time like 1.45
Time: 6.44
